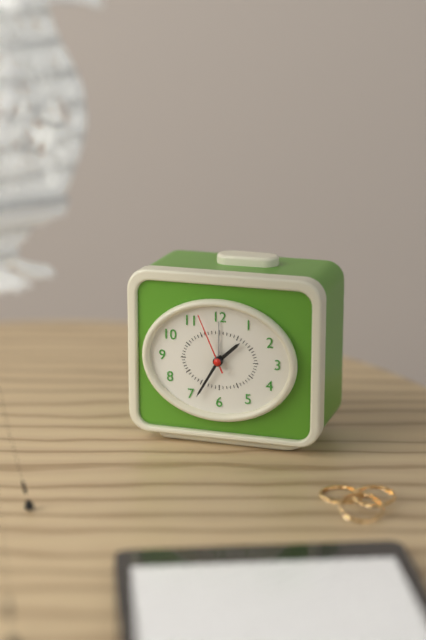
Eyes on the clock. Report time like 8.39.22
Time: 1.35.56
